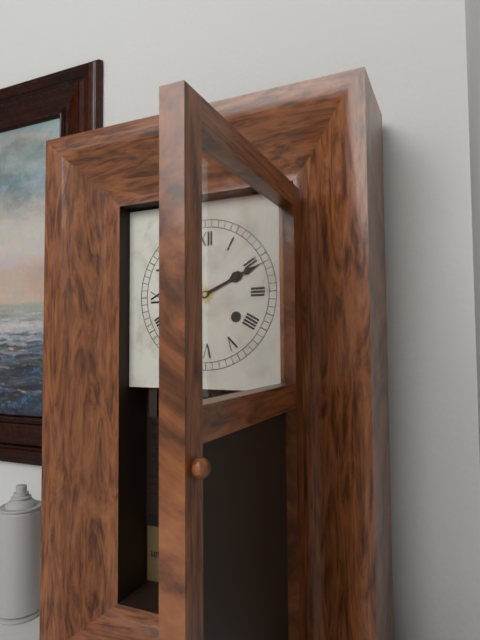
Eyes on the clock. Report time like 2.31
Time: 2.11
